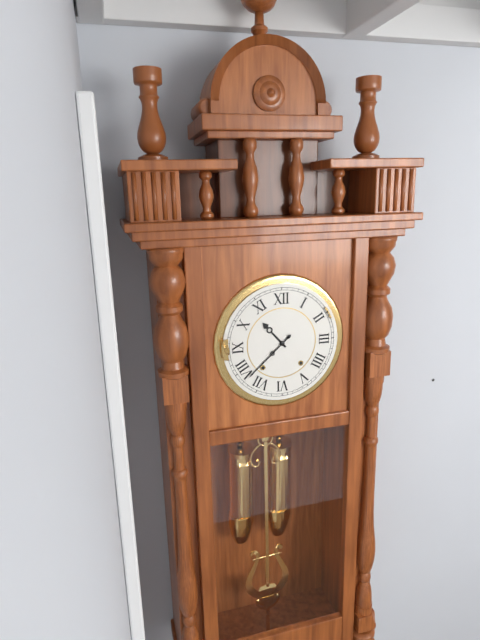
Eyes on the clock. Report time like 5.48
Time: 10.38
